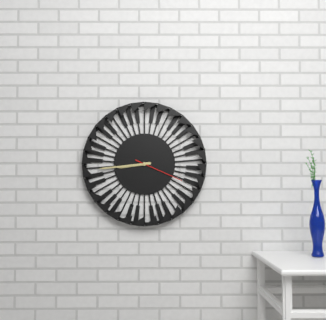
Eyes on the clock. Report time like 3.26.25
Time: 8.44.19
